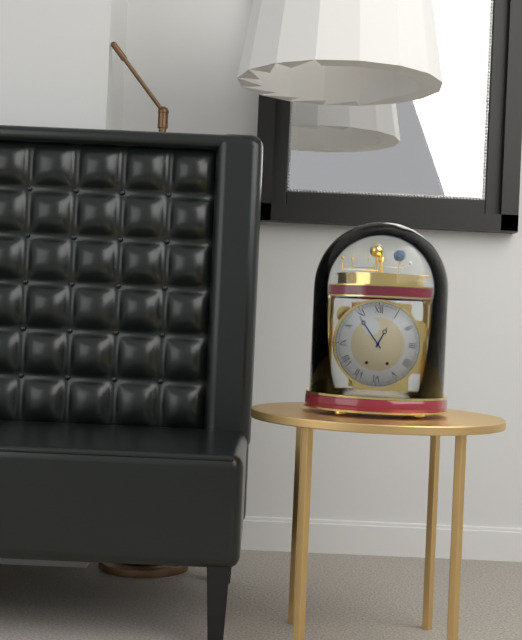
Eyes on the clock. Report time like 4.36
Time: 12.54
